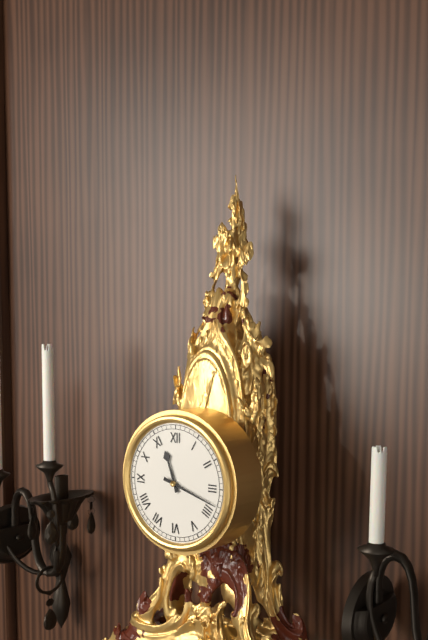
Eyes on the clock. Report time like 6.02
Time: 11.18
